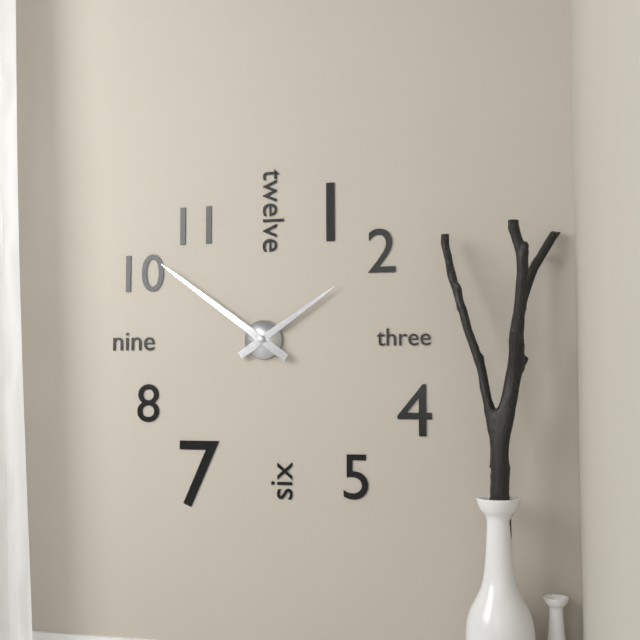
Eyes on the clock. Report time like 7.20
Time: 1.51
